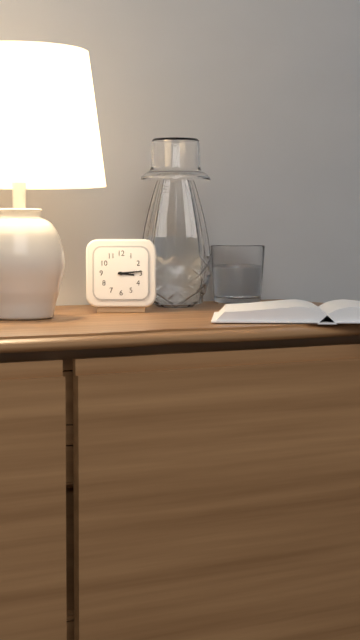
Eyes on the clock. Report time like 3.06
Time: 3.14
